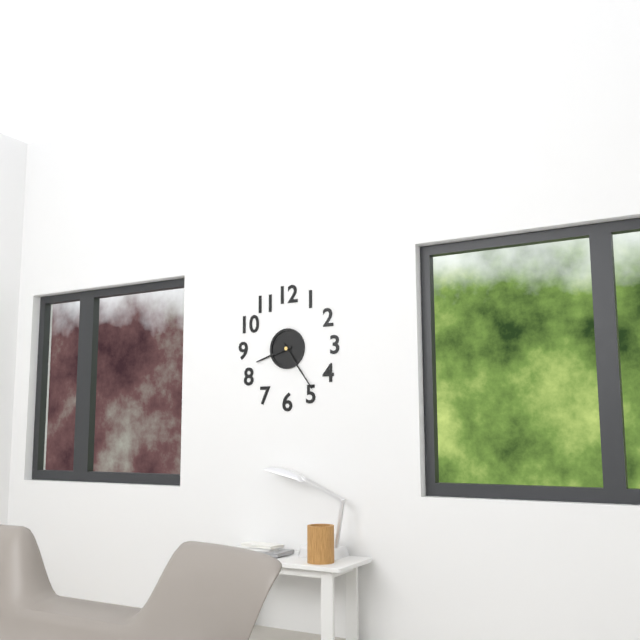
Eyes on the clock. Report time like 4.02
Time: 8.24
